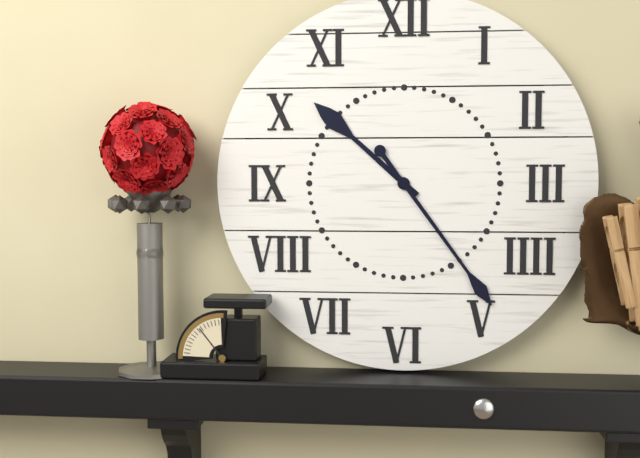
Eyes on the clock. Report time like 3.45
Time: 10.24
